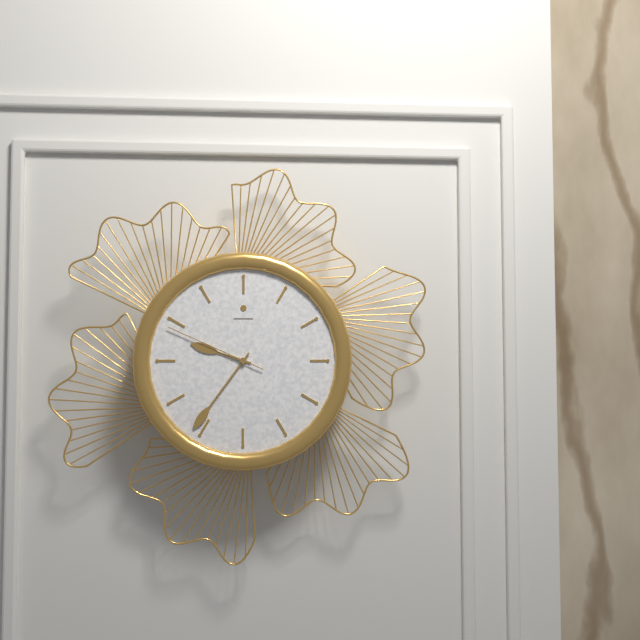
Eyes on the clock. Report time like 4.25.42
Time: 9.36.49
